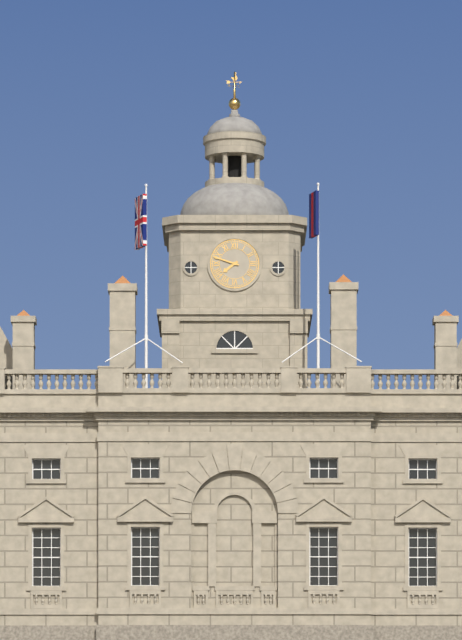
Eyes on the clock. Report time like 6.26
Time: 7.48
